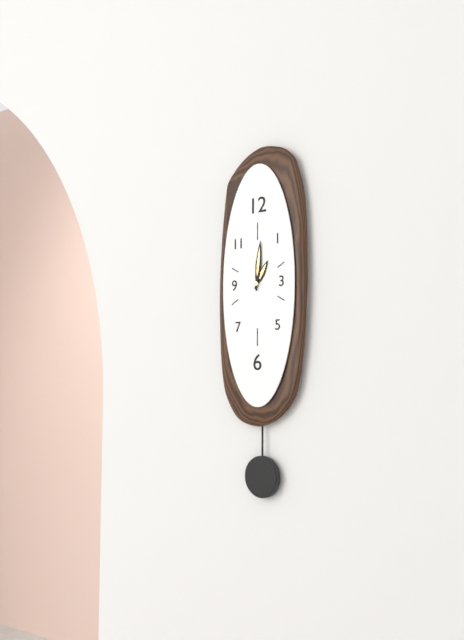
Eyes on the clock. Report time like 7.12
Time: 1.01
